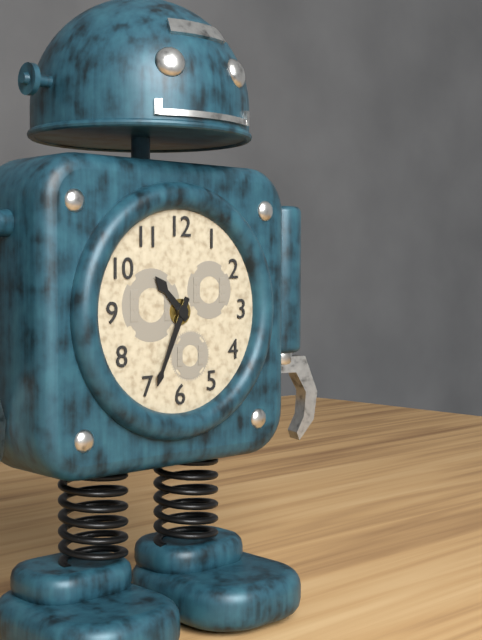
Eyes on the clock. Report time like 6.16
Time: 10.34
